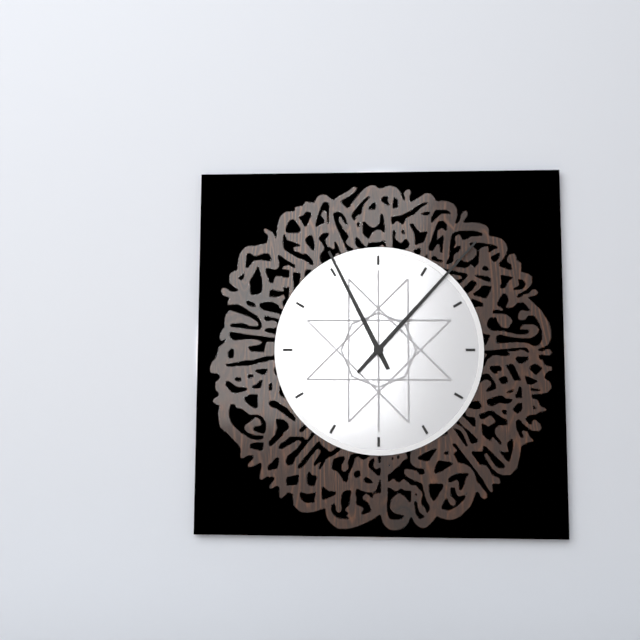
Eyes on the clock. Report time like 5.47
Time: 11.07
